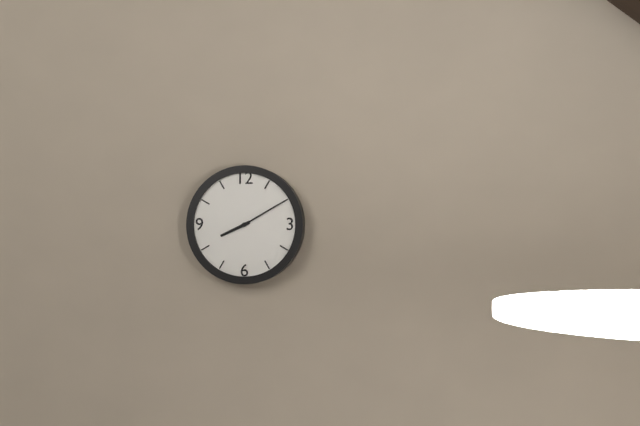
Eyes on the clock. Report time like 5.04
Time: 8.10
